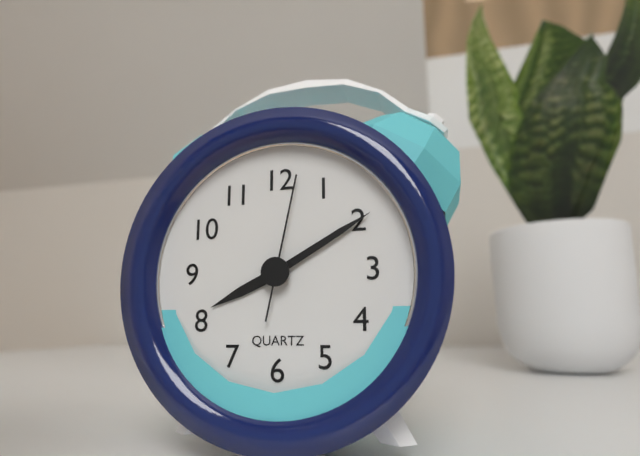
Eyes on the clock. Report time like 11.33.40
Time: 8.10.02
